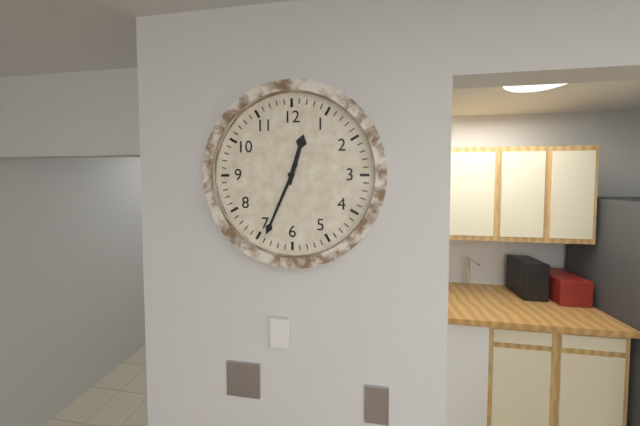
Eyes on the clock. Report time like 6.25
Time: 12.34
